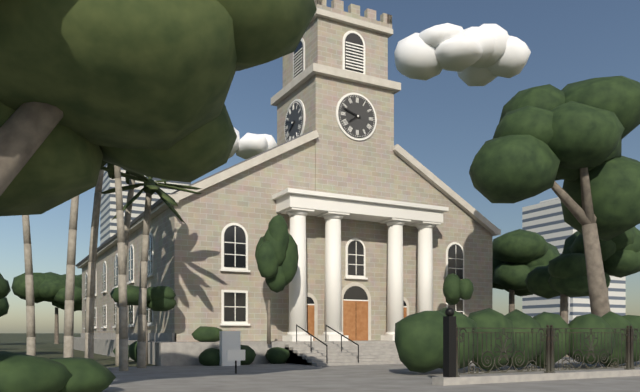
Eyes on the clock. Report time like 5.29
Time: 7.48
